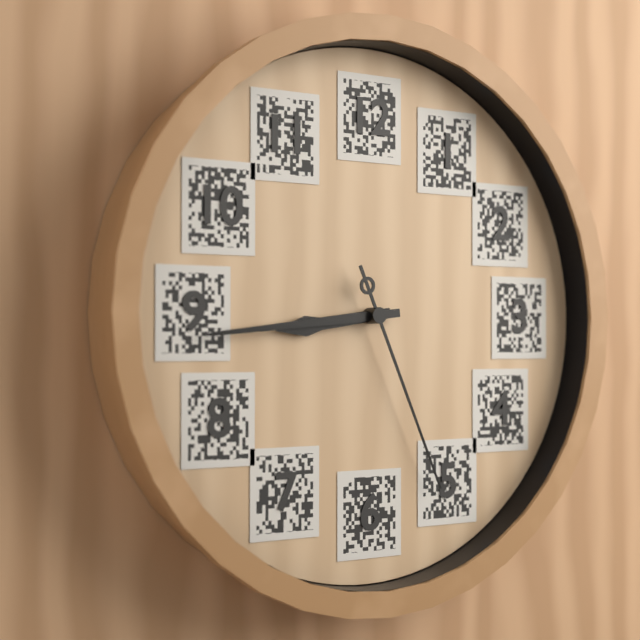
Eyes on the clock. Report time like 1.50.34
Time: 8.44.26
